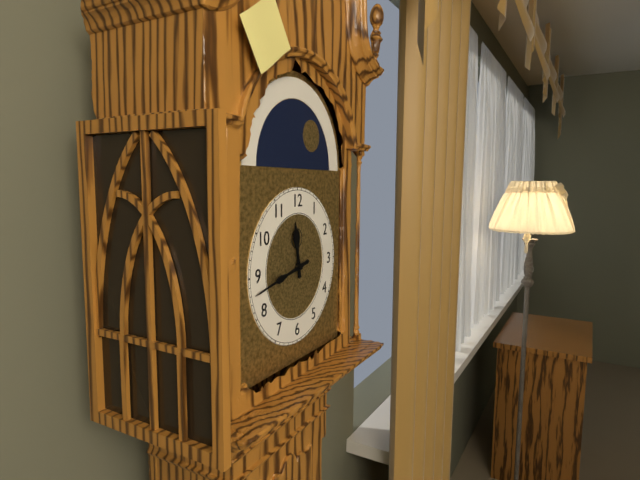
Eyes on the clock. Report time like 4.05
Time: 11.43
